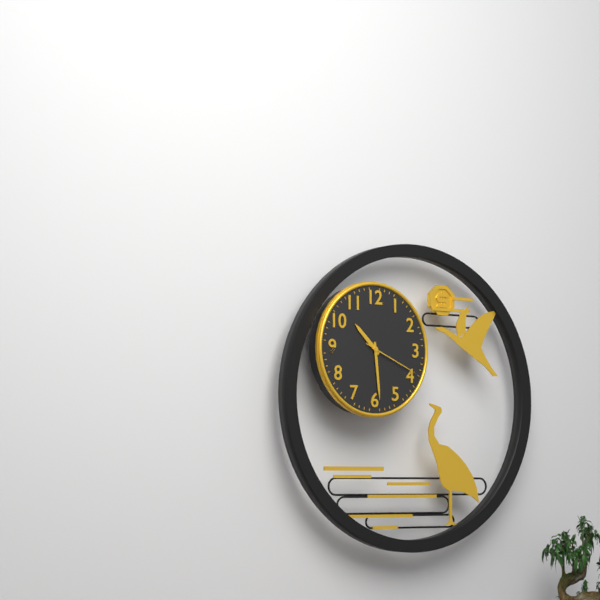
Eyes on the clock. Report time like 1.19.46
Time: 10.29.19
